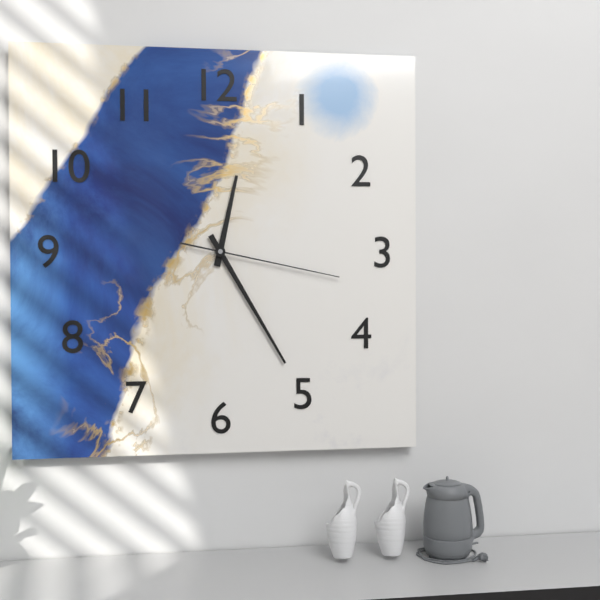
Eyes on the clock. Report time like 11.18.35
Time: 12.25.17
